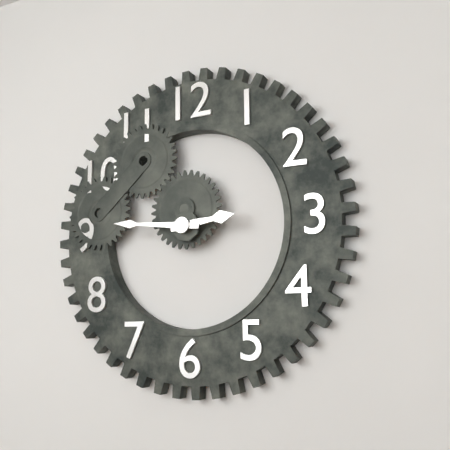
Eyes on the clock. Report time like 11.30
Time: 2.46
